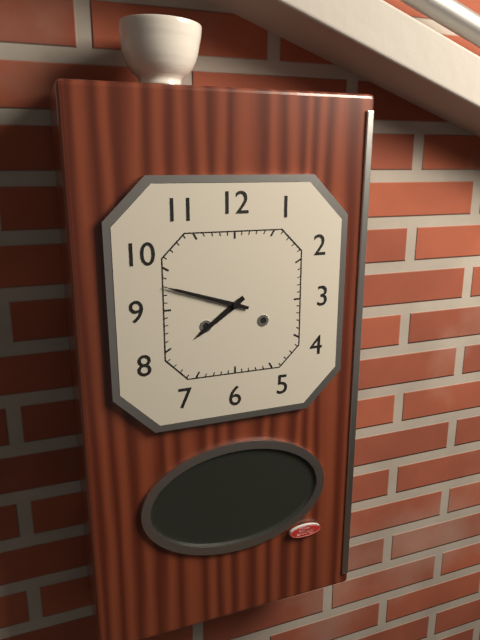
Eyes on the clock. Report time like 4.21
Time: 7.48
